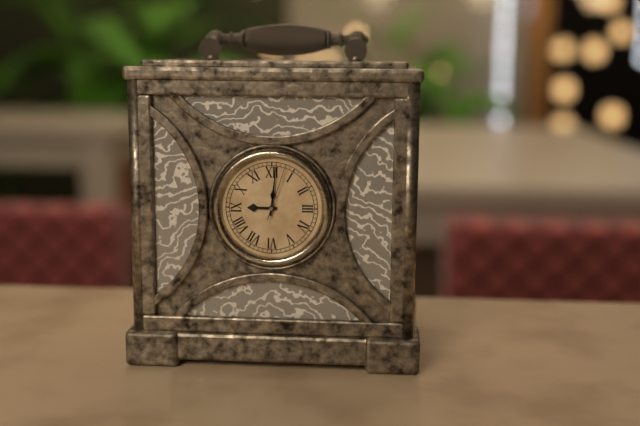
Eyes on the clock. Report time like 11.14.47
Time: 9.01.03
